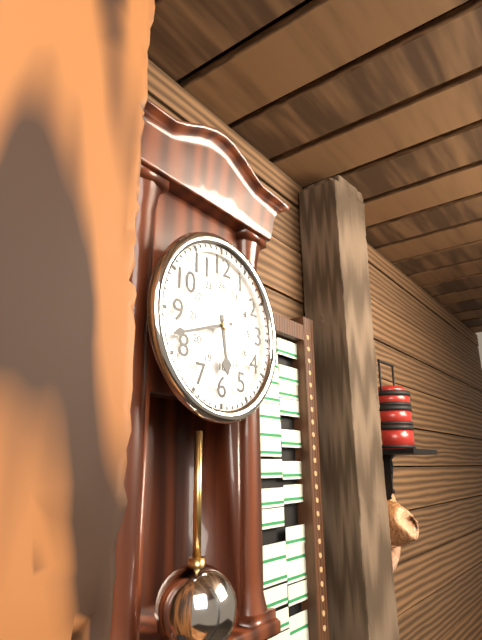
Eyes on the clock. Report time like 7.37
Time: 5.42
